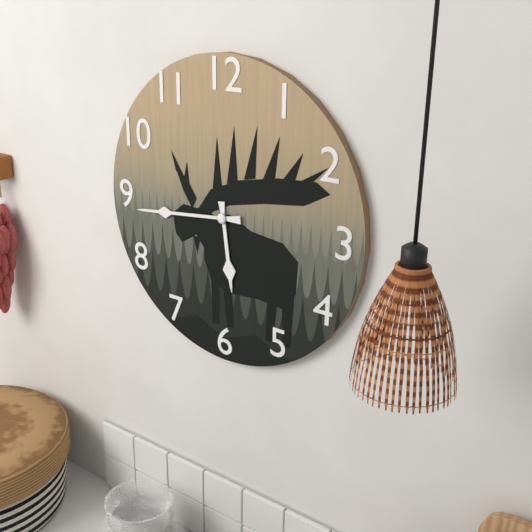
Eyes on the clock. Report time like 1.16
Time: 5.44
